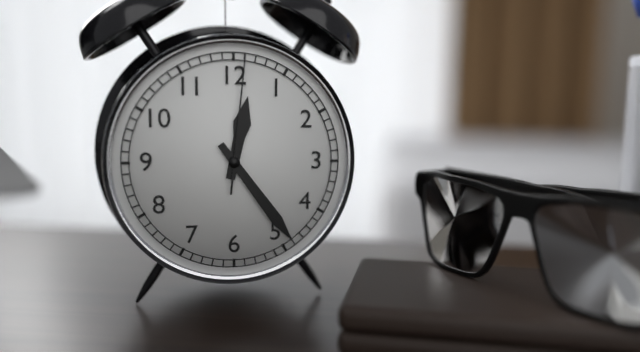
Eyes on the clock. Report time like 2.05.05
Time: 12.24.01
